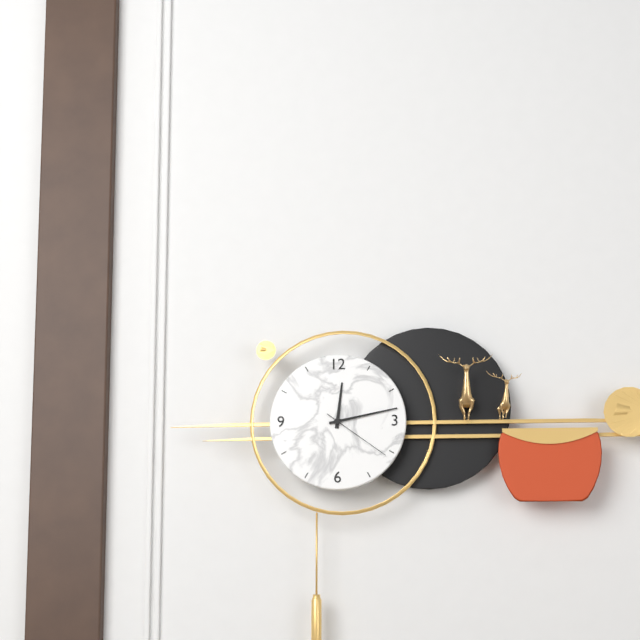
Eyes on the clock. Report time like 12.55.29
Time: 12.13.21
